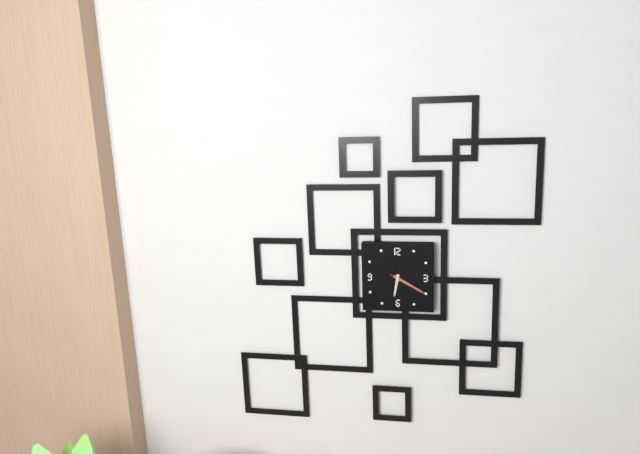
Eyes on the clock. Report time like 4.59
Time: 6.20
